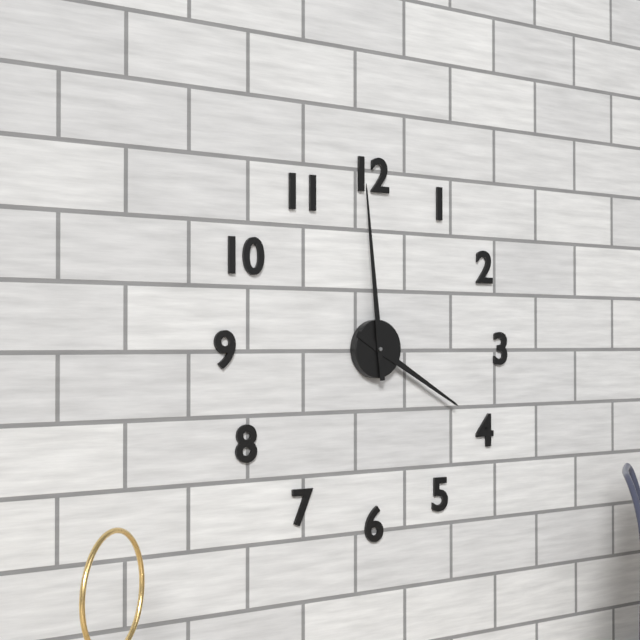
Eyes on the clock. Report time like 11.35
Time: 3.59
